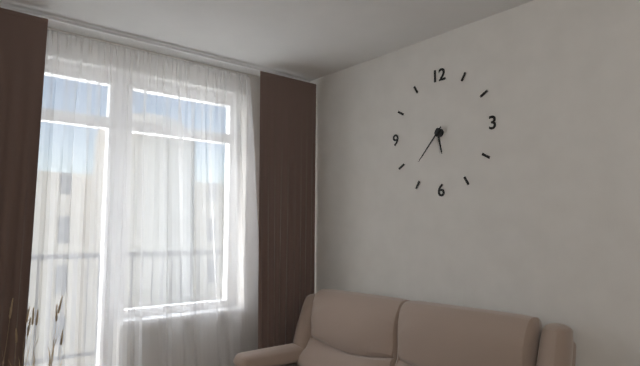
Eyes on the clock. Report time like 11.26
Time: 5.37
